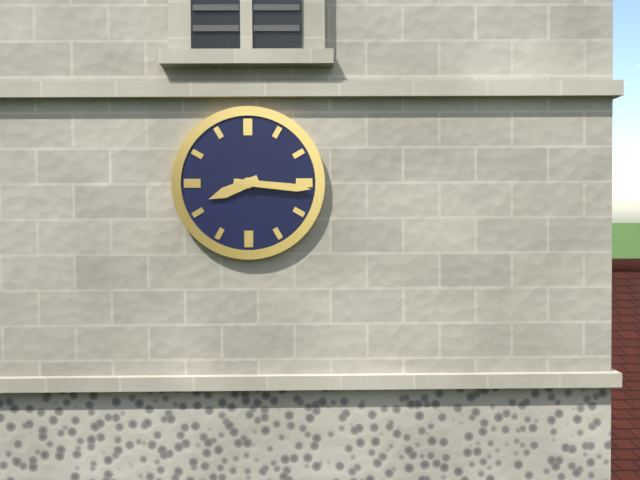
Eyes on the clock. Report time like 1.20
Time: 8.16
